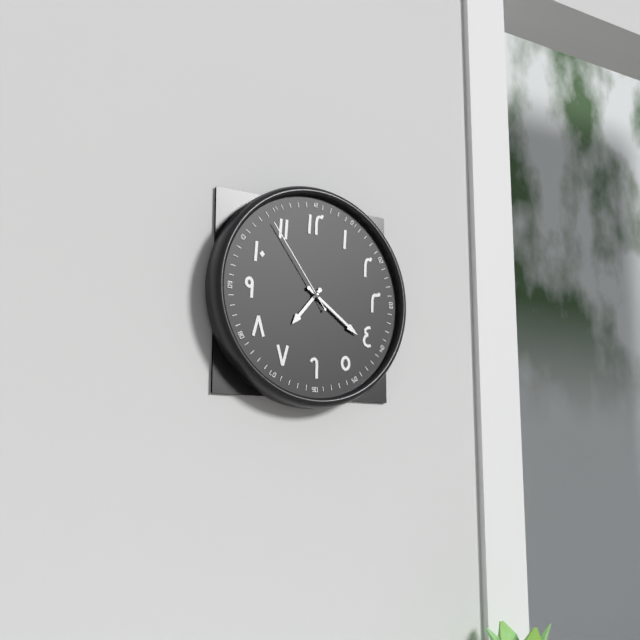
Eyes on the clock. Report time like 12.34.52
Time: 7.21.54
